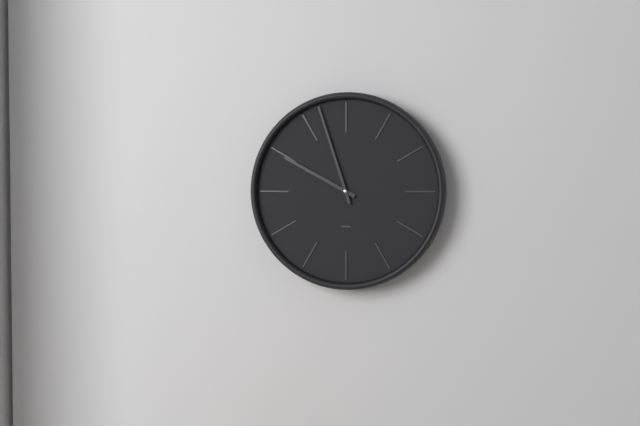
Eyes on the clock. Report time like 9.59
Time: 9.57
